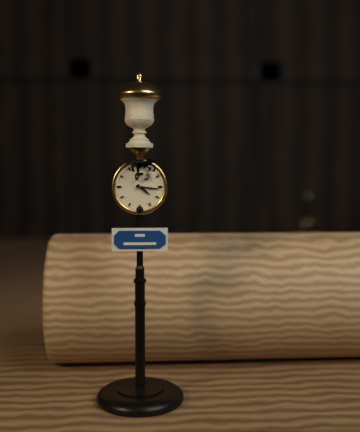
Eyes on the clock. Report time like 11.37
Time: 4.16
